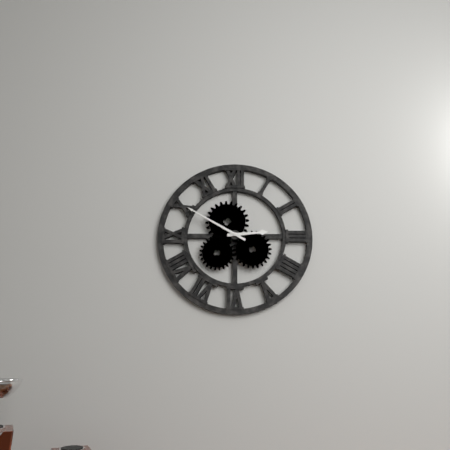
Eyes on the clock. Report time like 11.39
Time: 2.50
